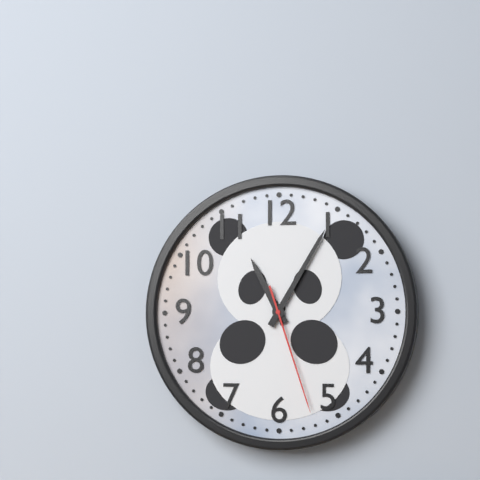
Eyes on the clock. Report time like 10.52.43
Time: 11.05.27
